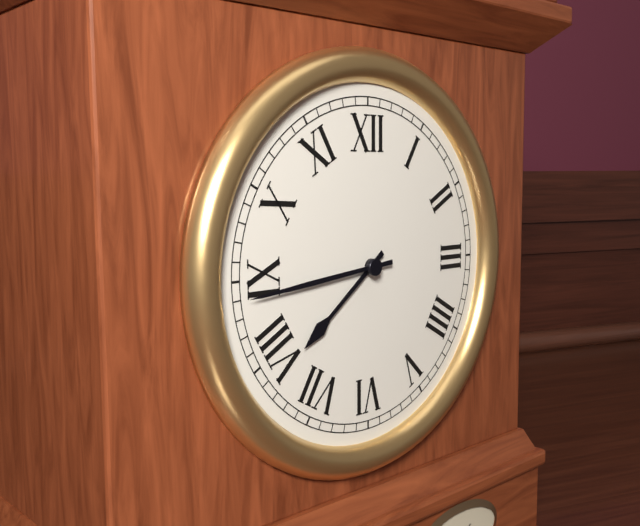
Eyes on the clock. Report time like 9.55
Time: 7.44
